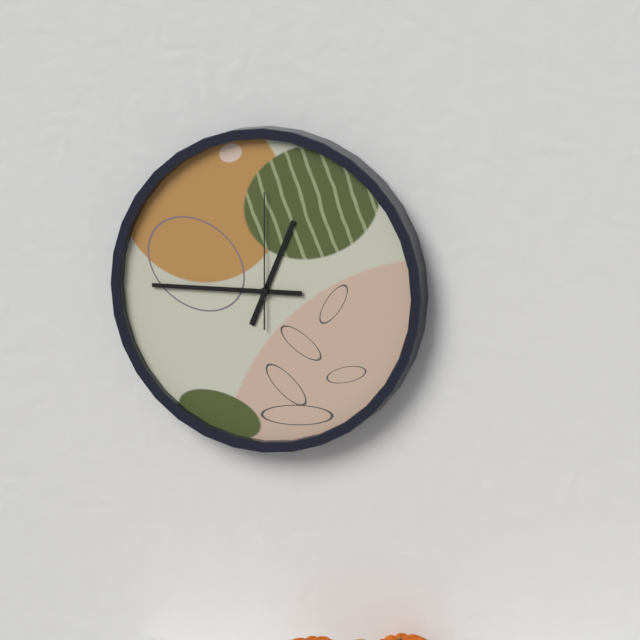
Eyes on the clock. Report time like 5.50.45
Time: 12.45.00
